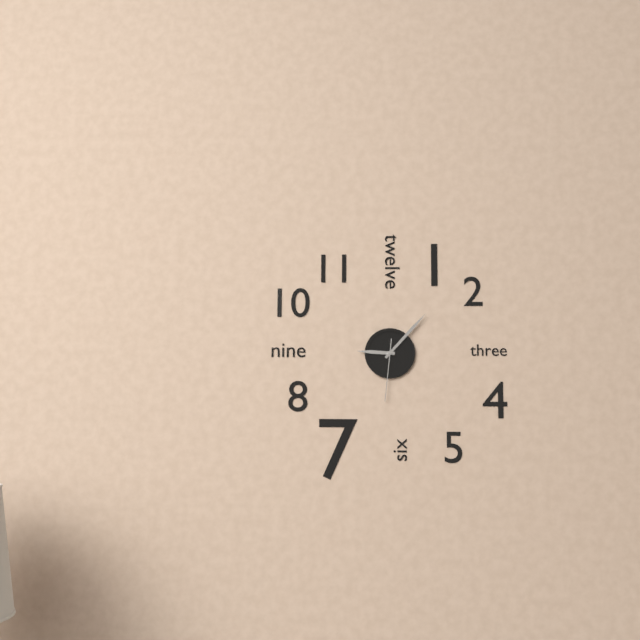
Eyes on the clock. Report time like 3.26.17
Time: 9.07.31
